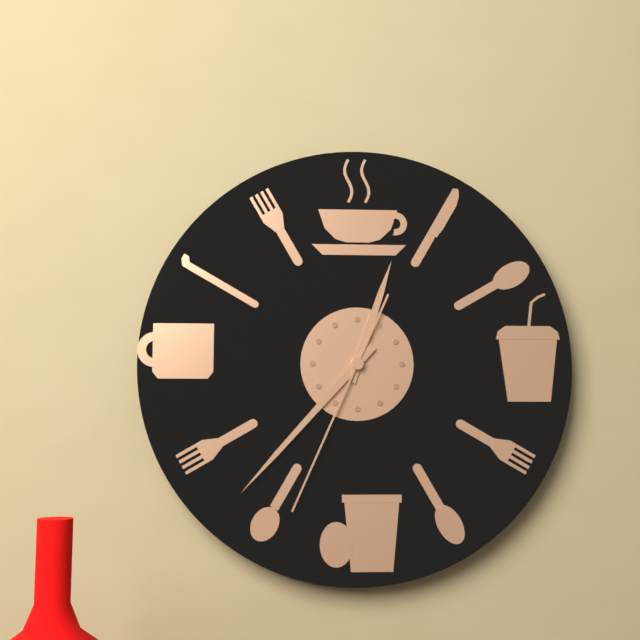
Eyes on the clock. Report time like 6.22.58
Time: 12.37.34
